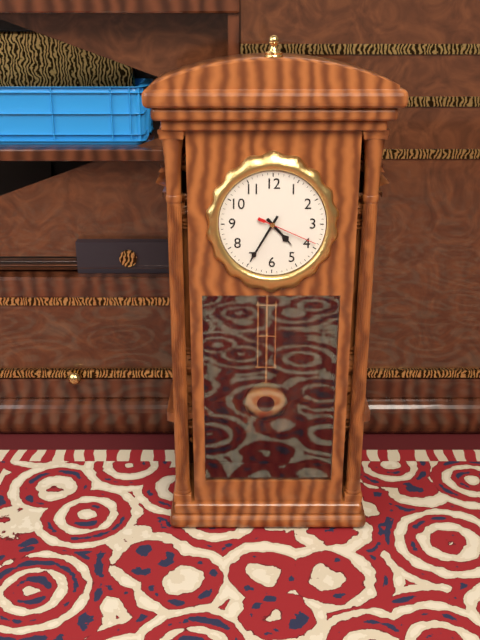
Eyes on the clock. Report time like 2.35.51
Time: 4.35.19
